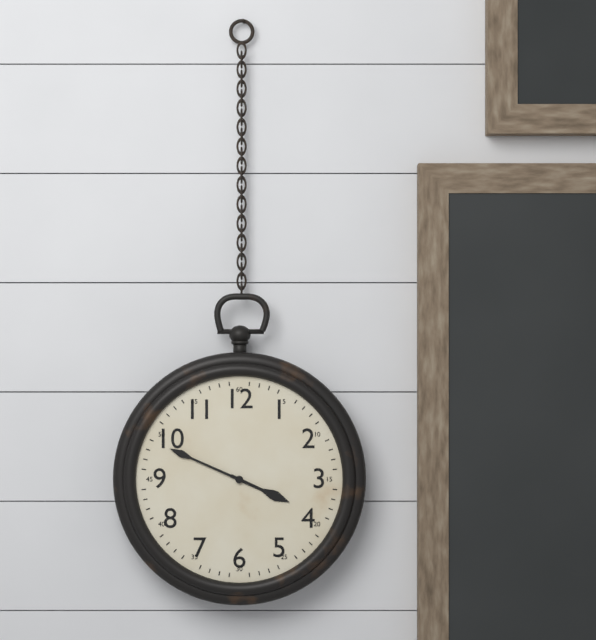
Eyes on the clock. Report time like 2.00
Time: 3.49
